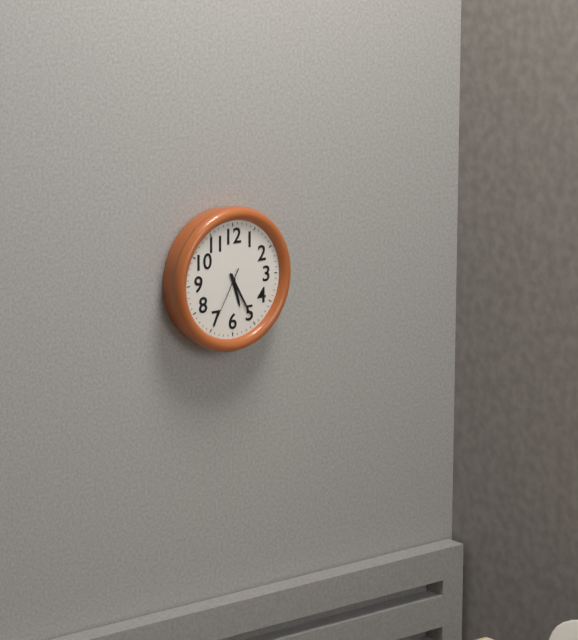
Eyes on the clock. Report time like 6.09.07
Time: 5.25.35
